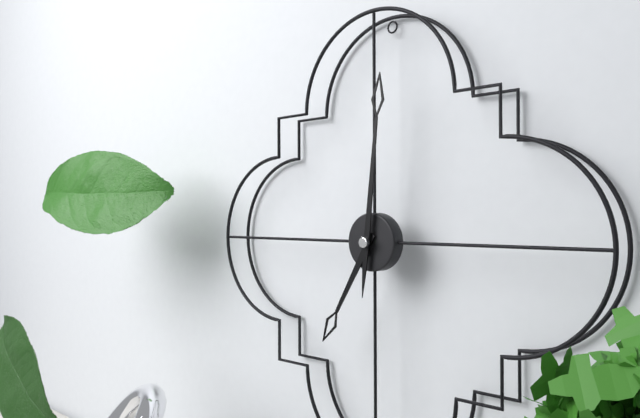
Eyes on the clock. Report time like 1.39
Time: 7.01
